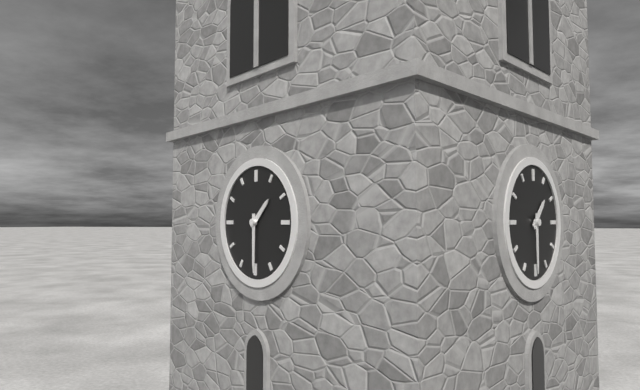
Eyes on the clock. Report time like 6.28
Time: 1.30
